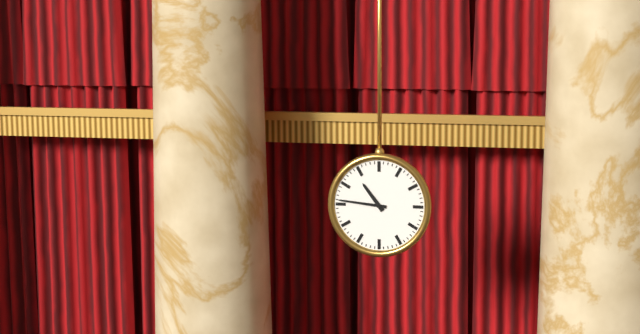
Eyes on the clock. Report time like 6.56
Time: 10.46
